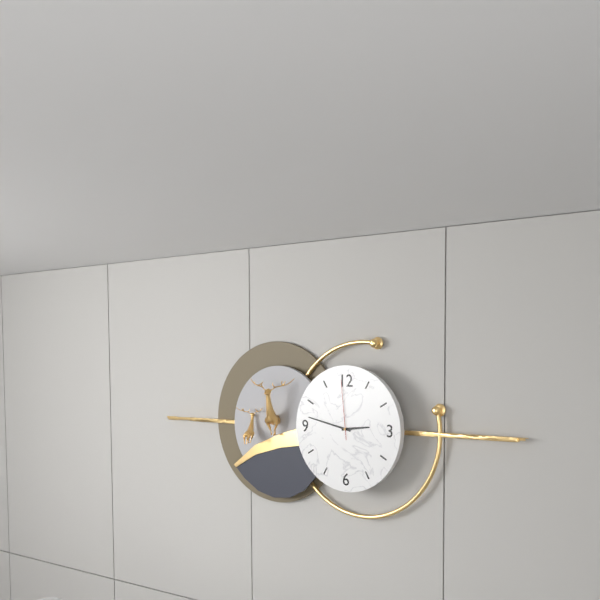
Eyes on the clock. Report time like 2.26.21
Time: 2.47.59
